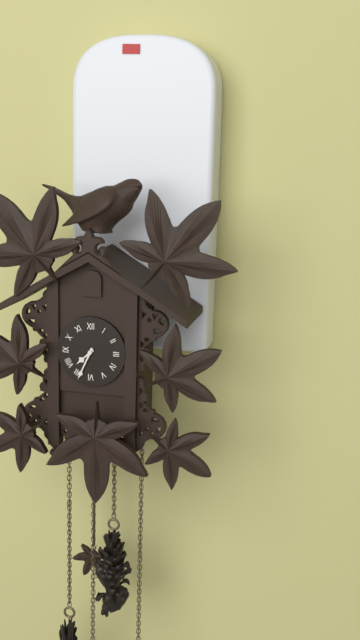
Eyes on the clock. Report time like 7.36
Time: 7.34
